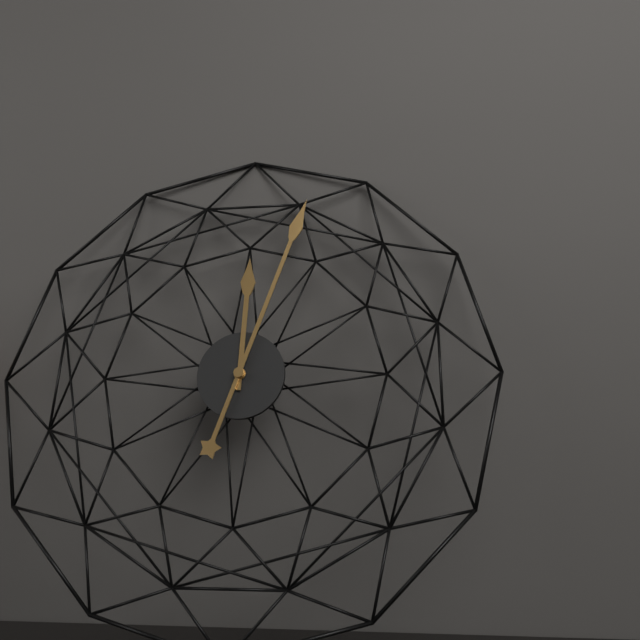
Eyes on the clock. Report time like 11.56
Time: 12.03
